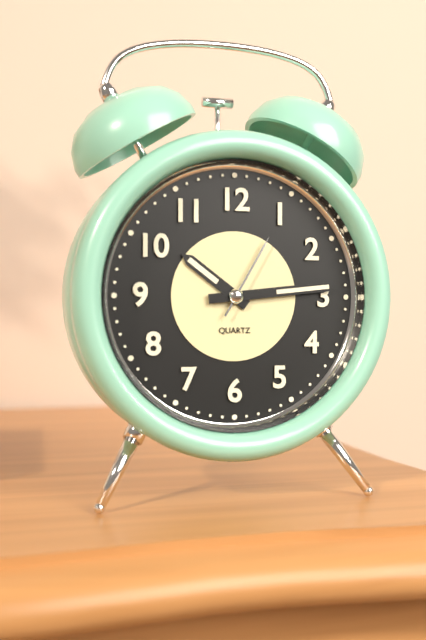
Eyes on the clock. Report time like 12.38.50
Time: 10.14.05
